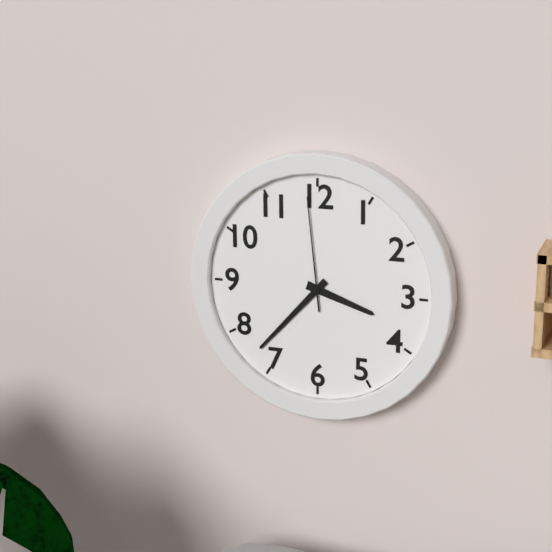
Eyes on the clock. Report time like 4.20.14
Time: 3.37.59
